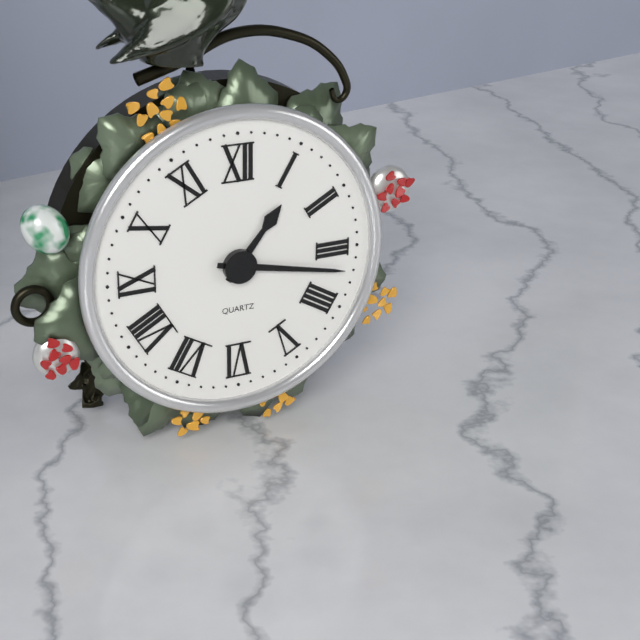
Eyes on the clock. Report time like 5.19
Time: 1.17
